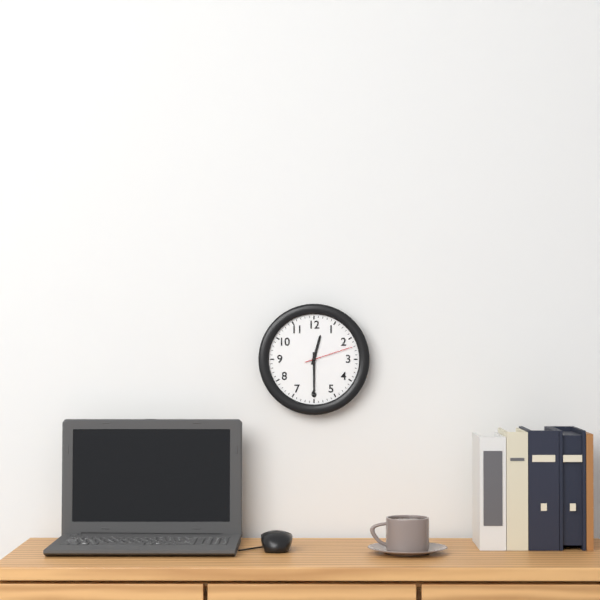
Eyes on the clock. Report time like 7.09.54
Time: 12.30.12
